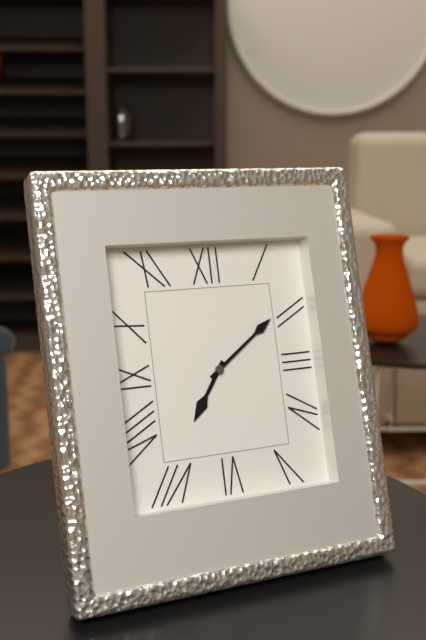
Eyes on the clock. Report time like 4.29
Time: 7.09
